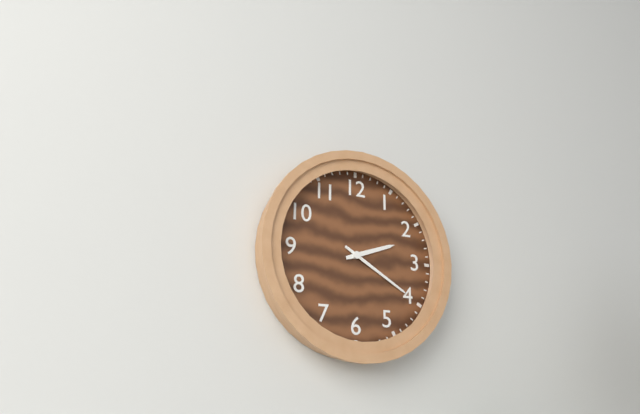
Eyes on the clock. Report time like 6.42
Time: 2.20
